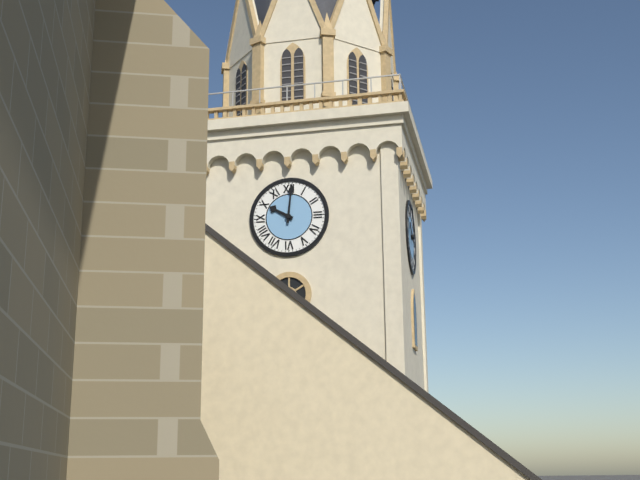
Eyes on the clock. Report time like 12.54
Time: 10.01
